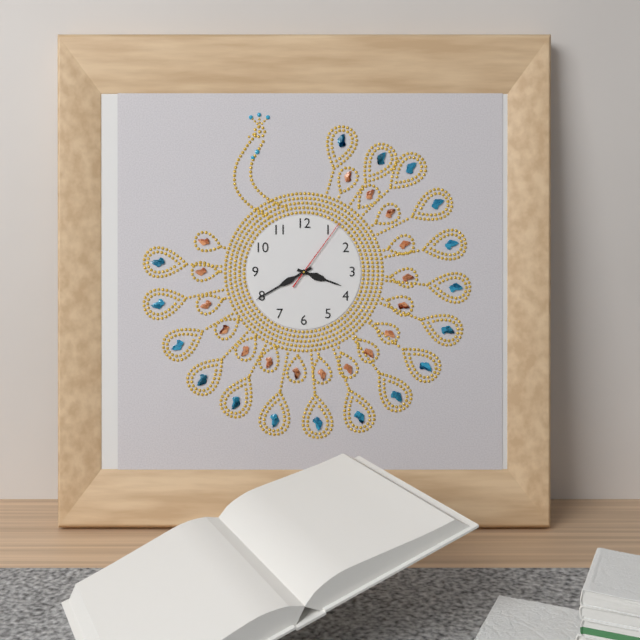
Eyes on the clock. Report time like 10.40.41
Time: 3.40.06
